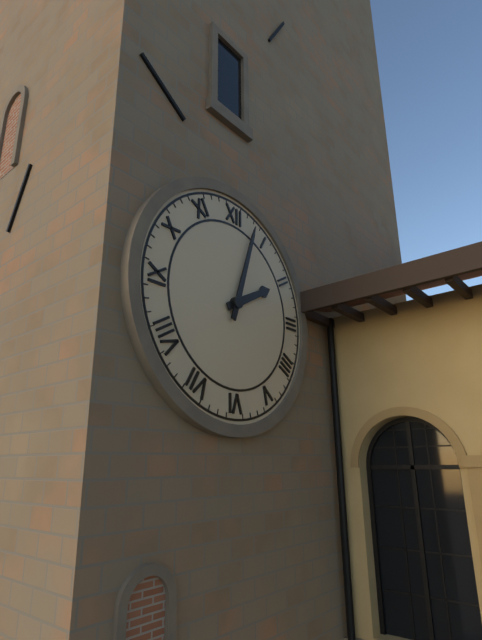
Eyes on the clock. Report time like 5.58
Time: 2.03
